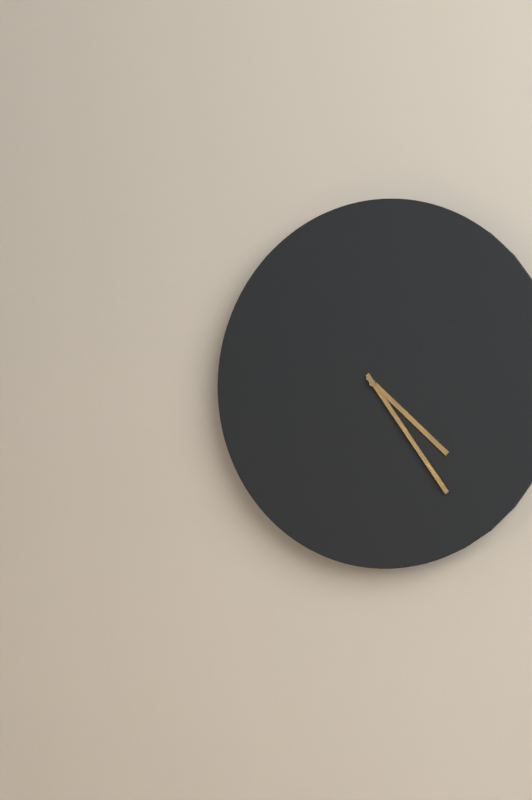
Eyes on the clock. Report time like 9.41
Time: 4.24
